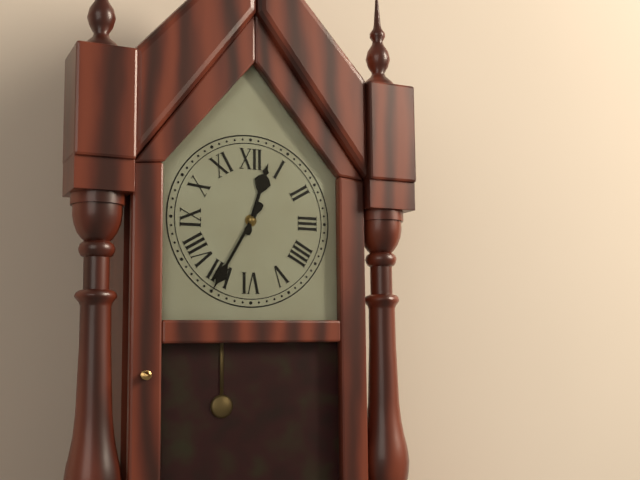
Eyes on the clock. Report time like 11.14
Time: 12.35
